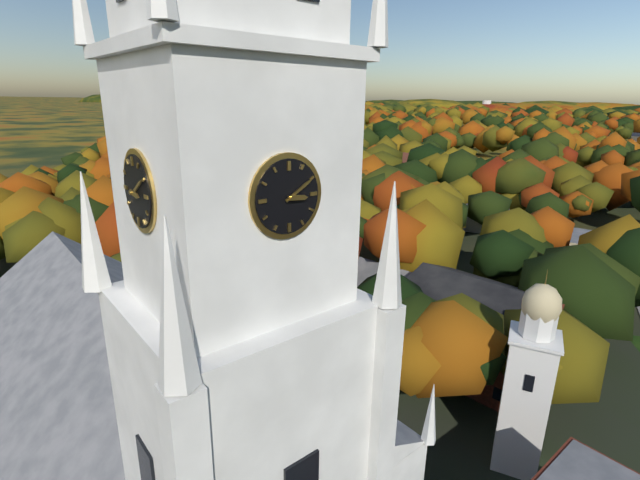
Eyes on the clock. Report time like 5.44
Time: 3.10
